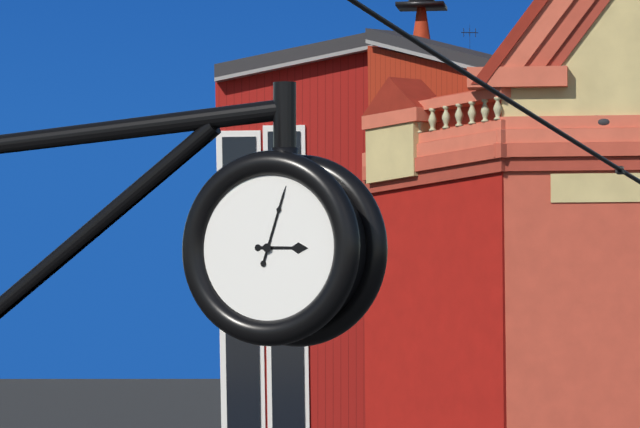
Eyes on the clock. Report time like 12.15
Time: 3.03
